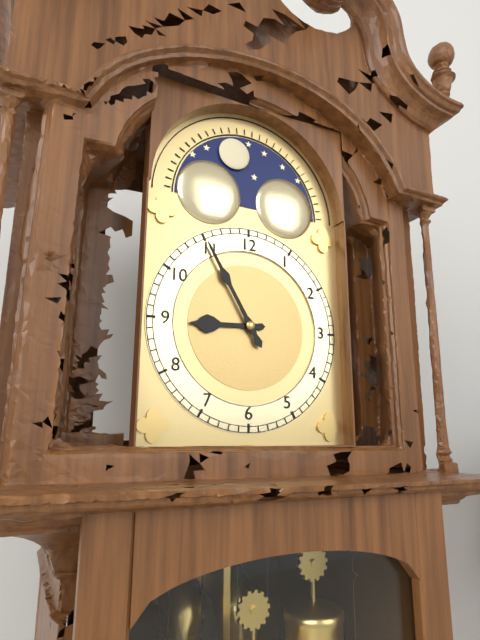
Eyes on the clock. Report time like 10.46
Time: 8.55
